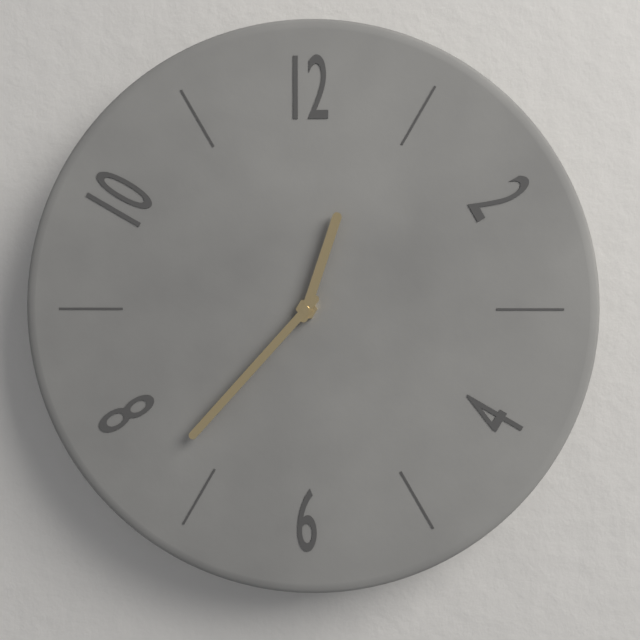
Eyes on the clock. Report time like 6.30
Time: 12.37
